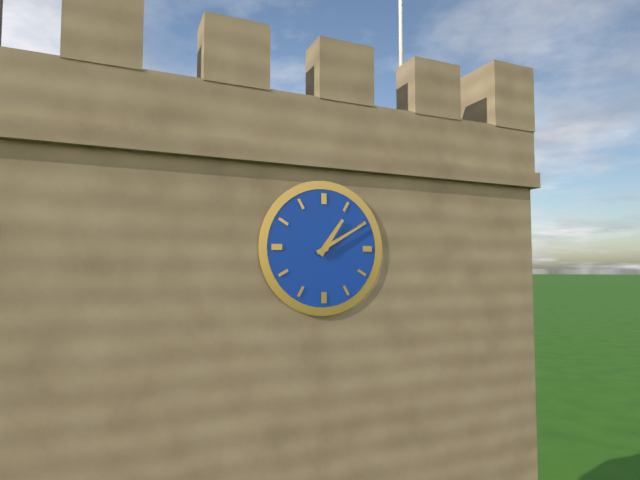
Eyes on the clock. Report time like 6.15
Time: 1.10
